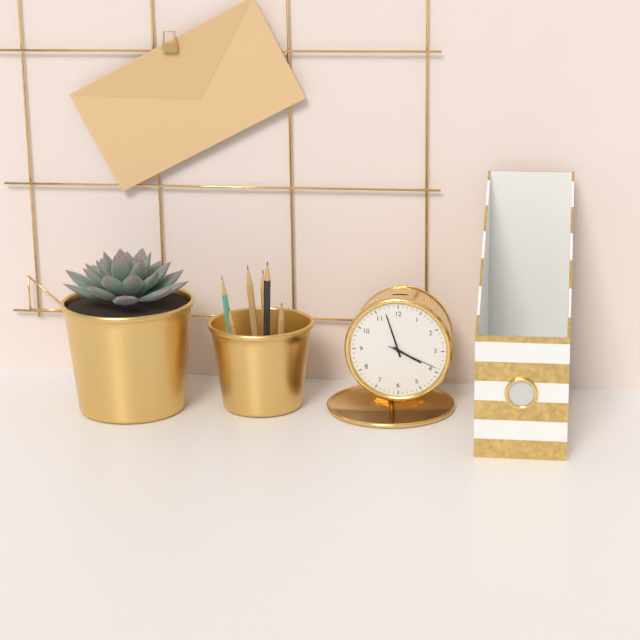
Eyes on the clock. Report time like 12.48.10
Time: 3.57.19
